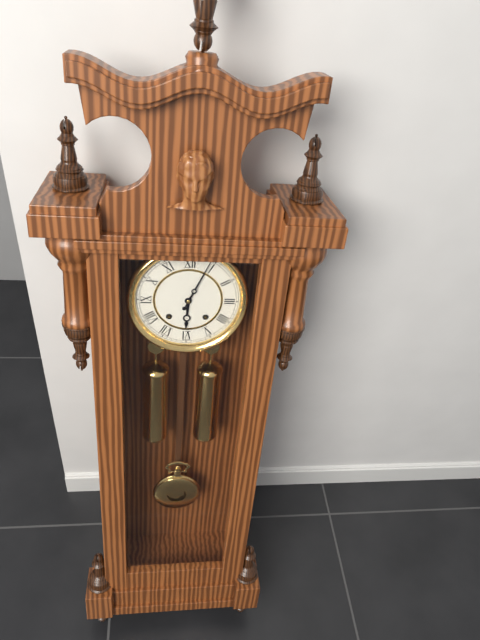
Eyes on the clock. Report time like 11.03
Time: 6.04
